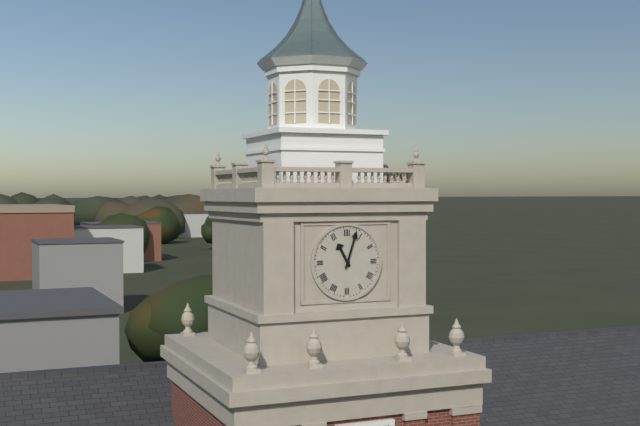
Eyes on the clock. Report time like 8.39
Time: 11.03
